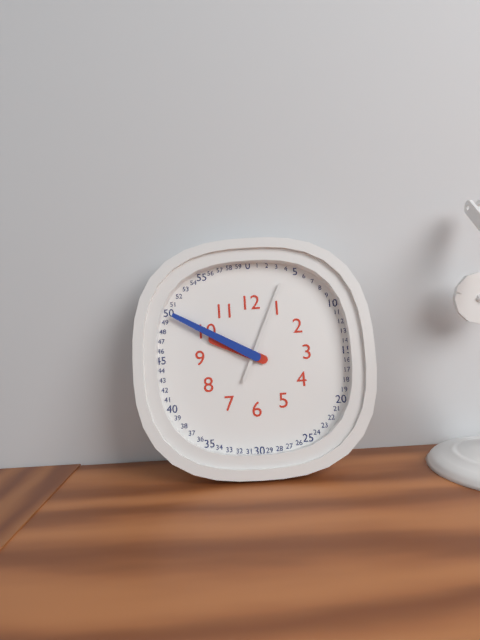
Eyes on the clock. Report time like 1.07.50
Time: 9.50.04
